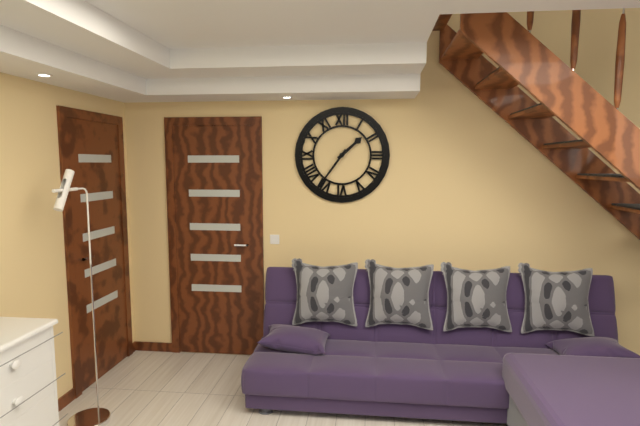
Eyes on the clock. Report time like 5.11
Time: 1.36
